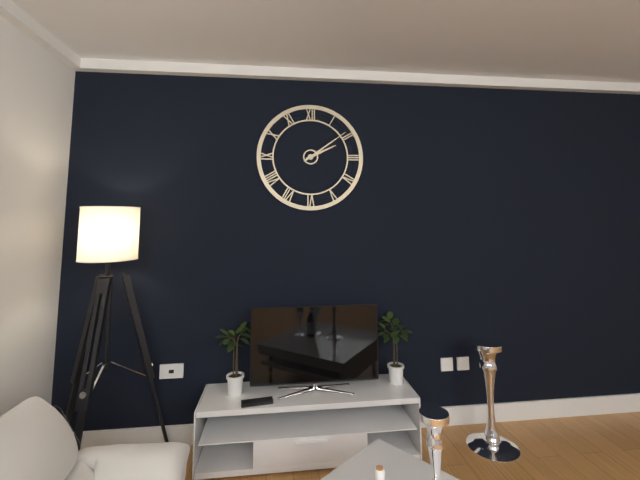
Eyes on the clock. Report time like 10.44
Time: 2.09
